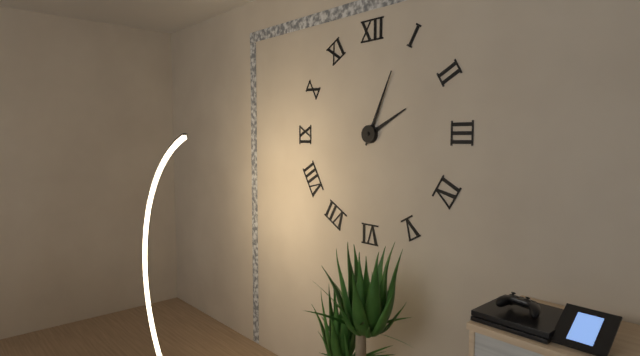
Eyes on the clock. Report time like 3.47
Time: 2.04
